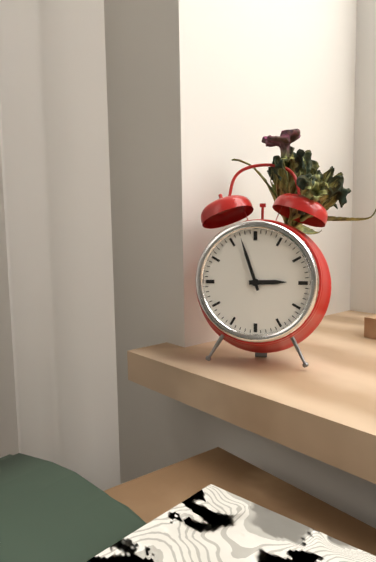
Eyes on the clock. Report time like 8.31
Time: 2.57
